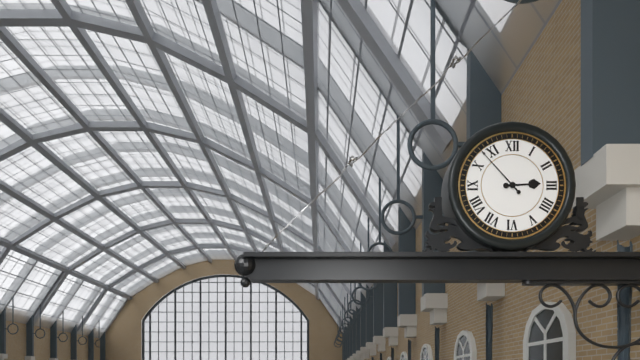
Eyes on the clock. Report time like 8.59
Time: 2.53
